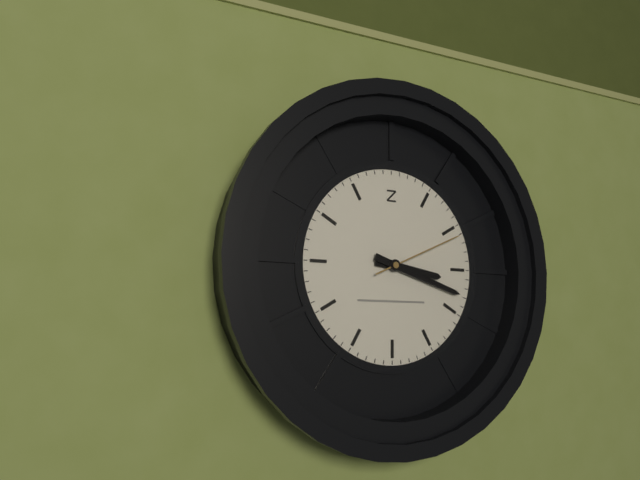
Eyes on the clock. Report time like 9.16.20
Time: 3.18.11
